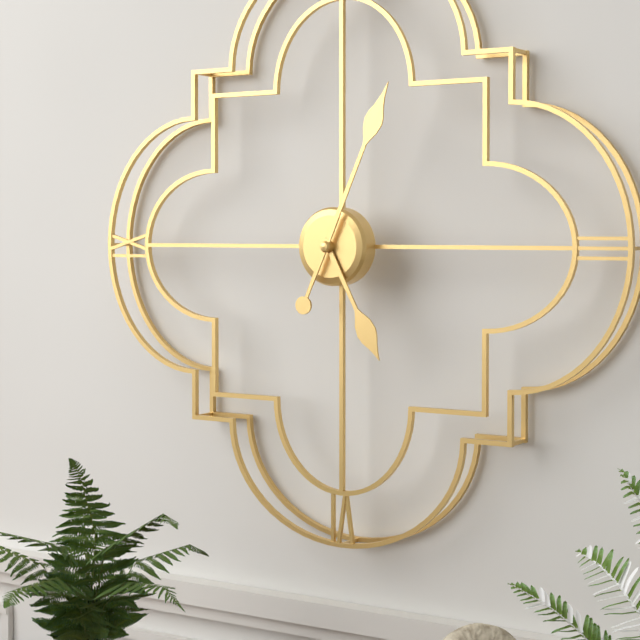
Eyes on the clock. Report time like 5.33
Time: 5.04
